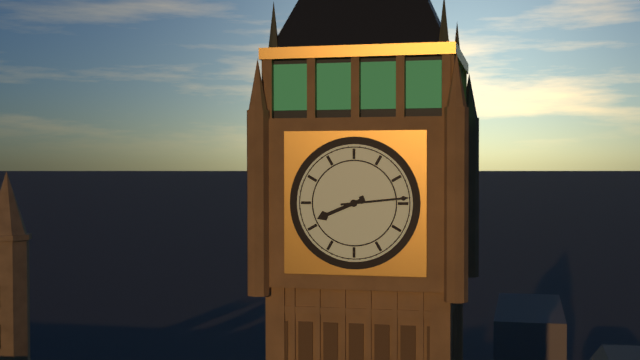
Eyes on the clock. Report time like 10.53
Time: 8.14
